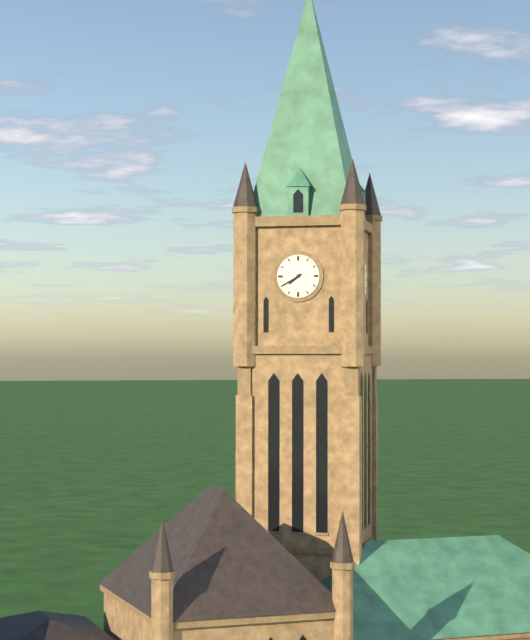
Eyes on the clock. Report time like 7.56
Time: 7.40
